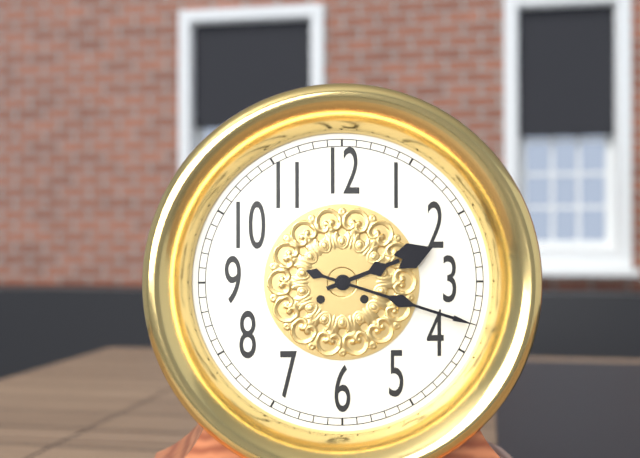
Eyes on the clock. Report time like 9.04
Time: 2.18
